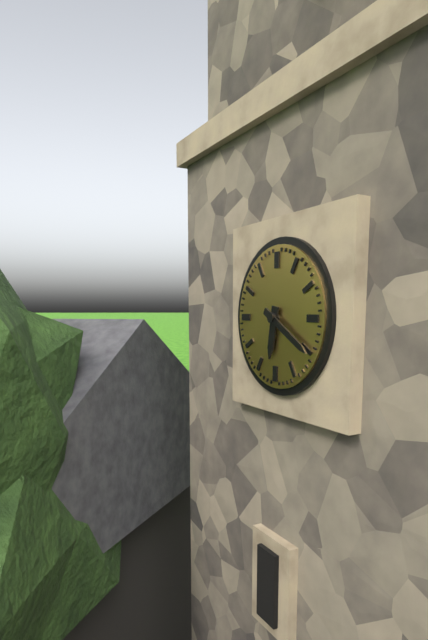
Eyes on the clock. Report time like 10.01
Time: 6.20
